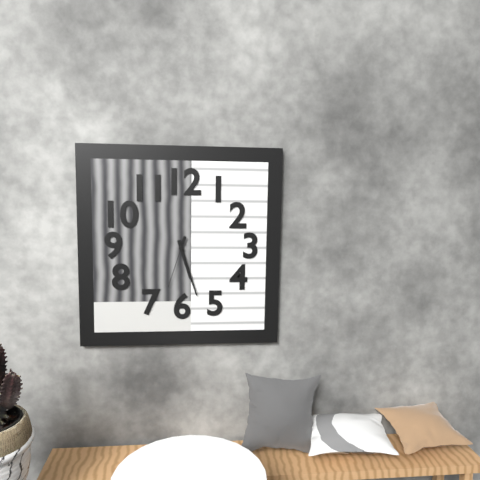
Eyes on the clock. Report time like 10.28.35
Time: 5.27.33
